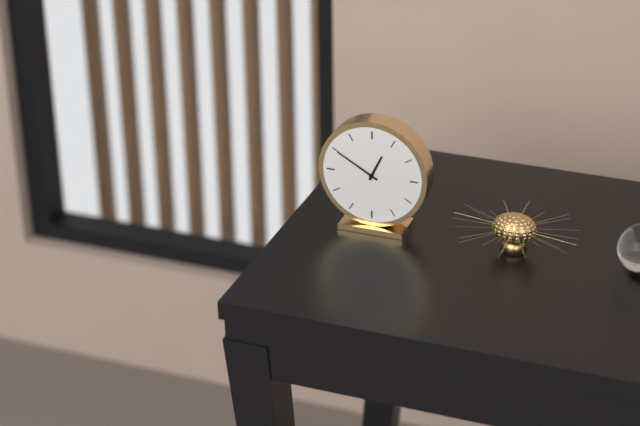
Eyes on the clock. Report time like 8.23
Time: 12.50
